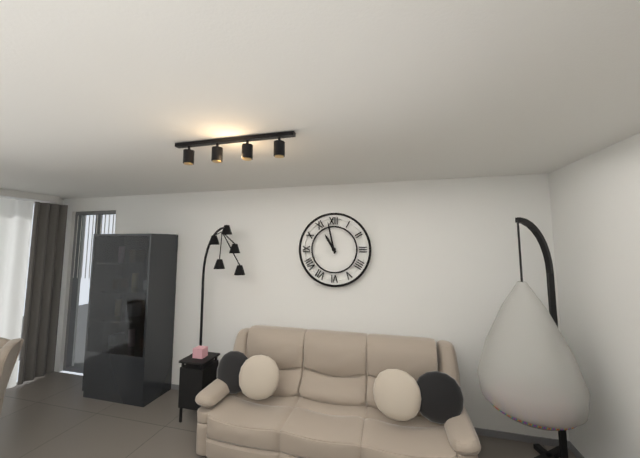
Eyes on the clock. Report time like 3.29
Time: 10.58
